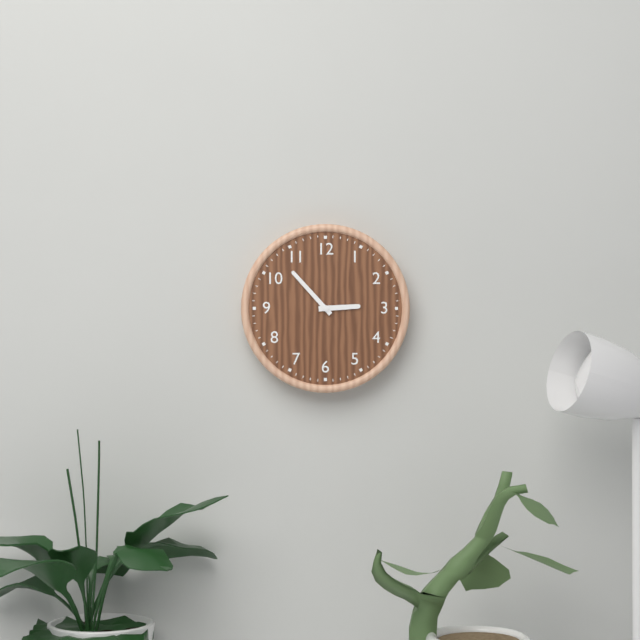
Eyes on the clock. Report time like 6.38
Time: 2.53
